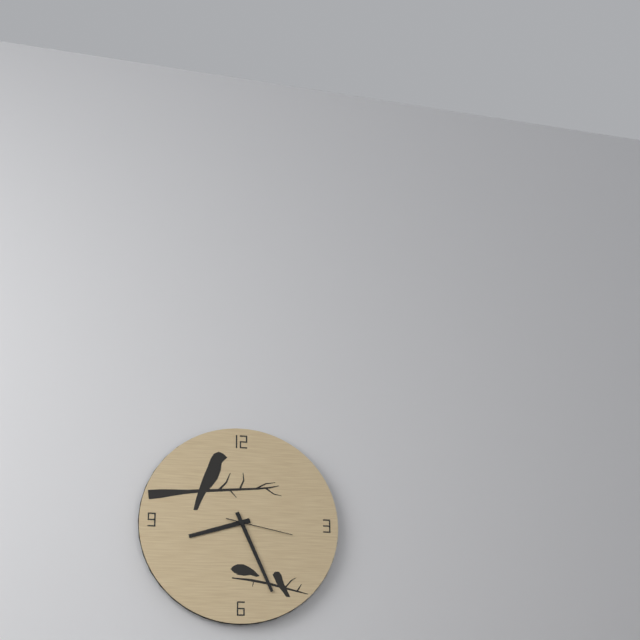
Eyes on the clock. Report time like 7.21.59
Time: 8.26.17
